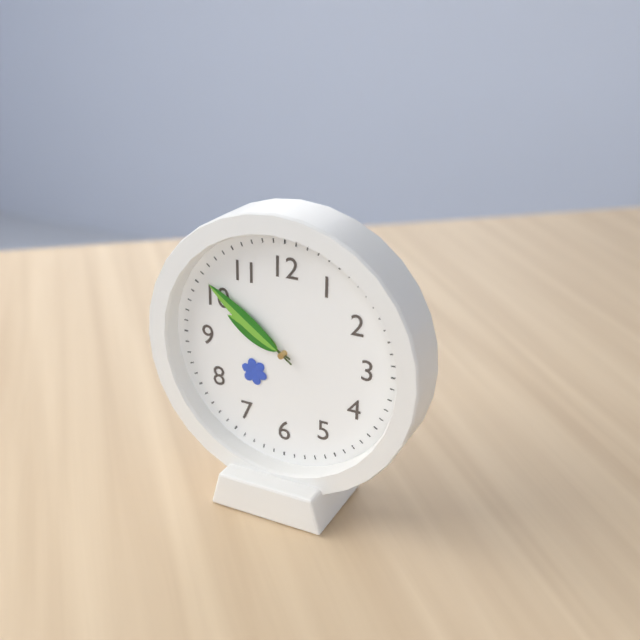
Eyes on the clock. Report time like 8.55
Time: 9.51
